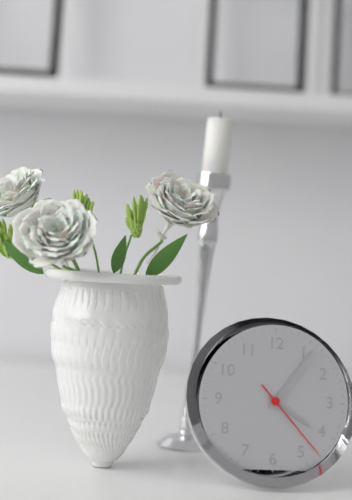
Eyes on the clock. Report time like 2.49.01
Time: 4.06.23
